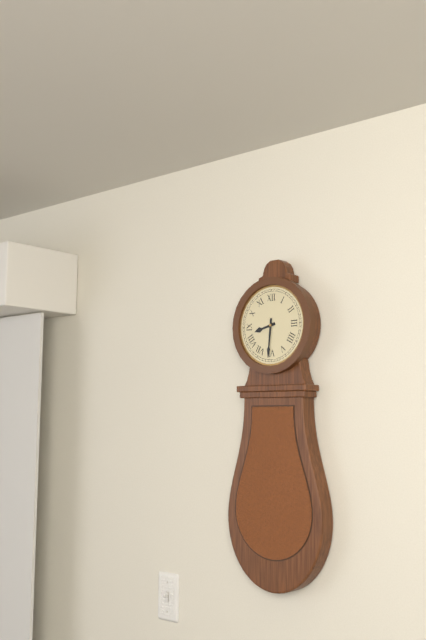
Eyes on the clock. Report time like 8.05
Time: 8.31
